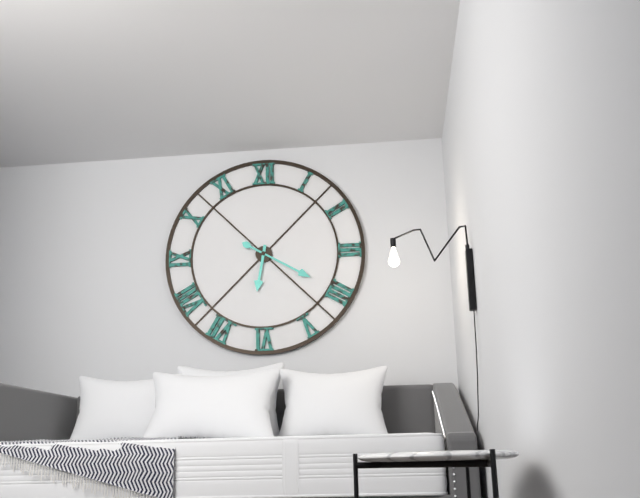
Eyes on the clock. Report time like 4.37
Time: 6.20
